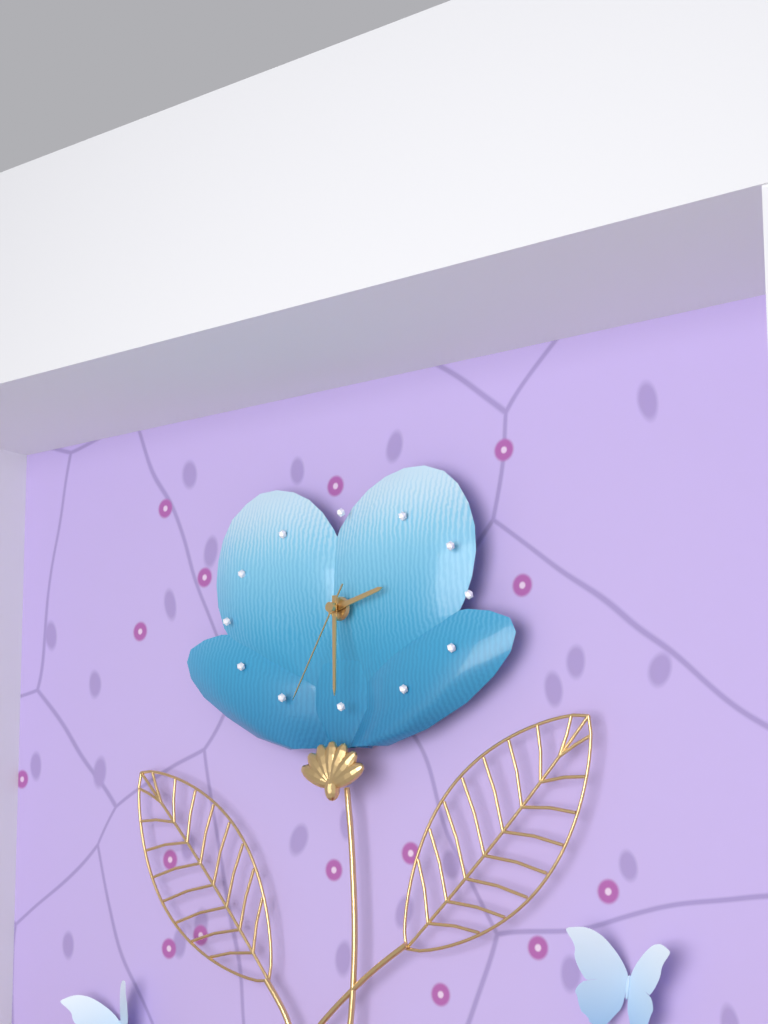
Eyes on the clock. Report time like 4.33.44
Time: 2.30.35
